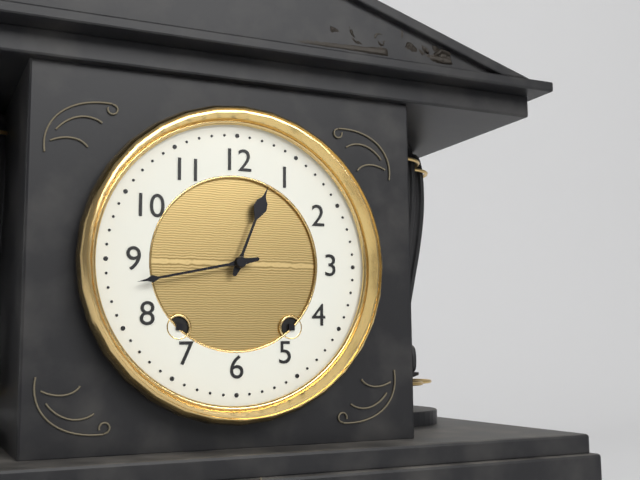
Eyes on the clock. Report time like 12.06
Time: 12.43
